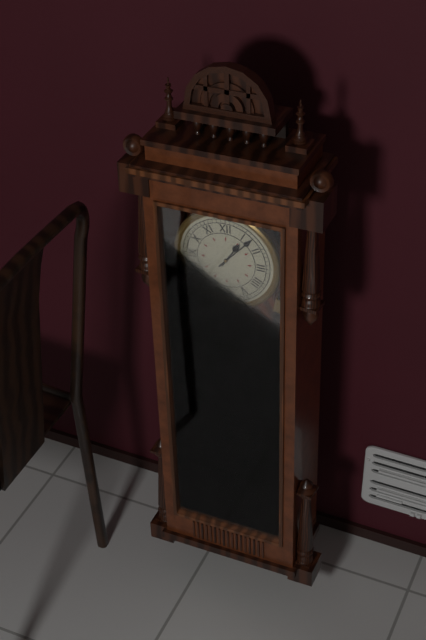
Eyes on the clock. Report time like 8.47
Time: 1.07
